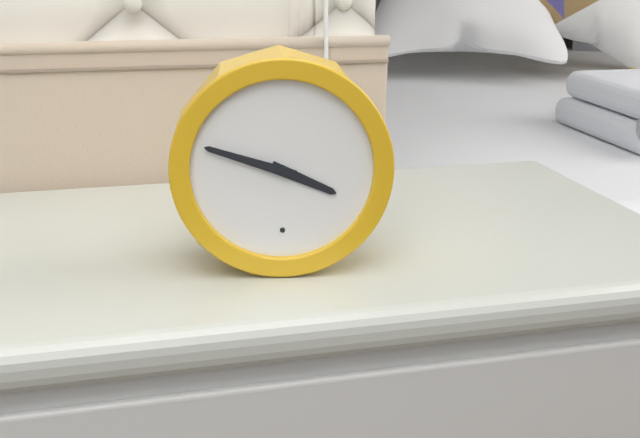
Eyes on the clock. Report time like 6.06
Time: 3.48
